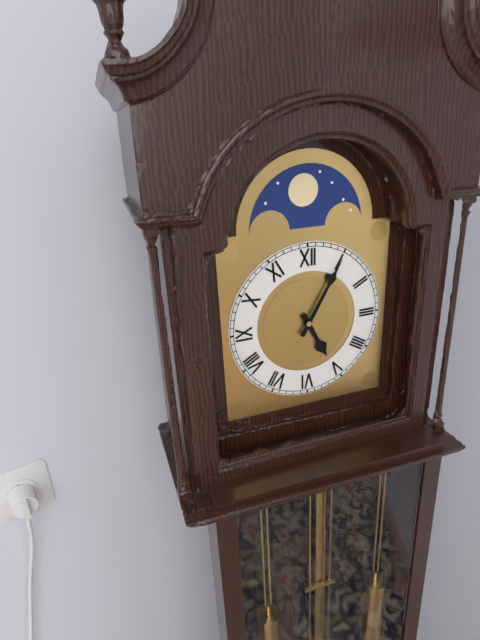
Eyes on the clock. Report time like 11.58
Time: 5.05
